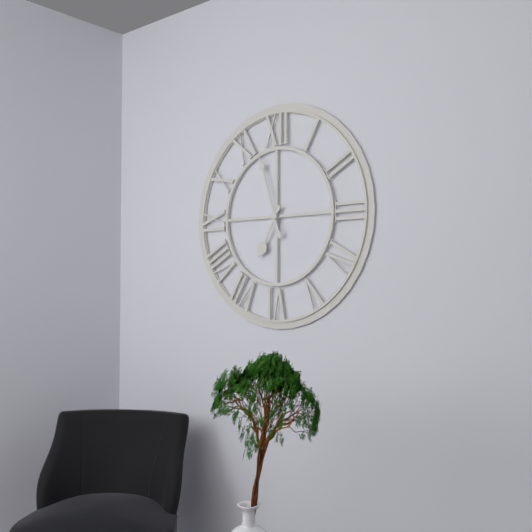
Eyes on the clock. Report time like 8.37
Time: 6.57
